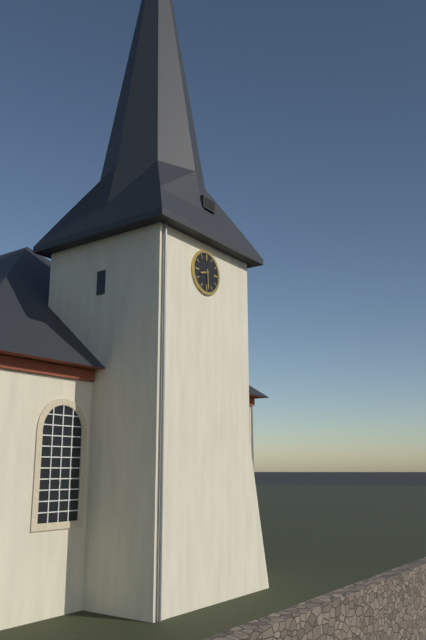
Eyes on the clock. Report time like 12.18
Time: 8.29
